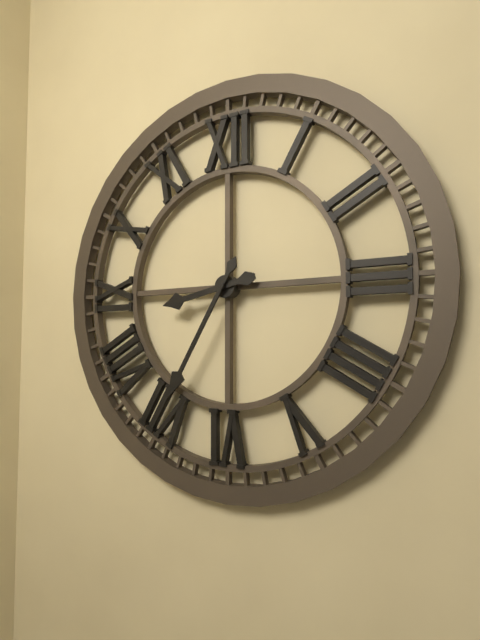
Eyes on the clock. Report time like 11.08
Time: 8.35
